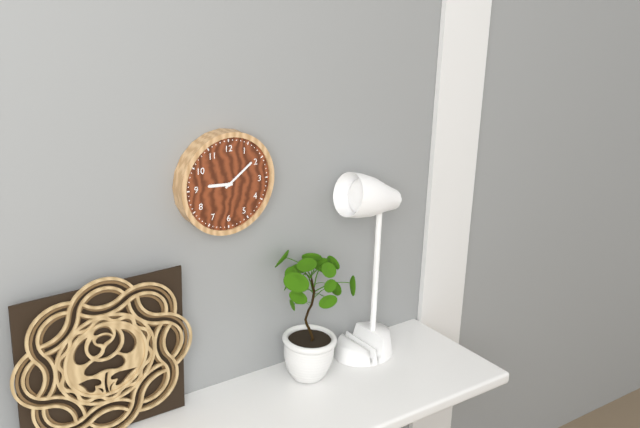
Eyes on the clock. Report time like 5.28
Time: 9.09
